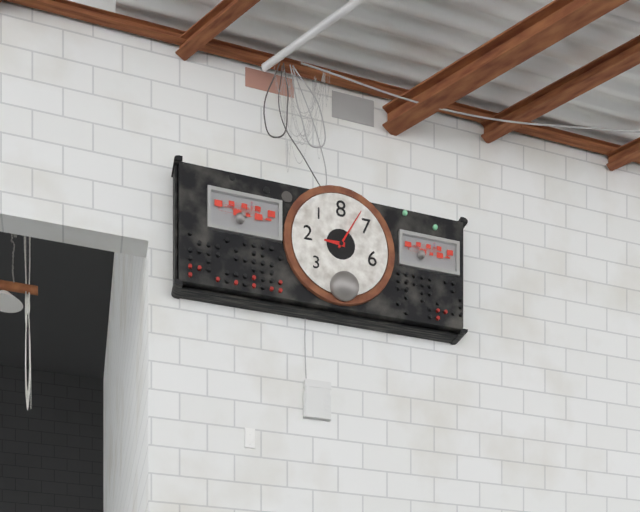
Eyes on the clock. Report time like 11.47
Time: 9.05
